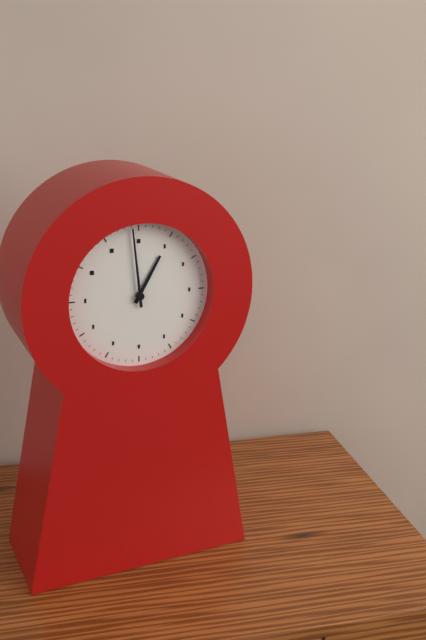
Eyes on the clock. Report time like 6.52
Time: 12.59
